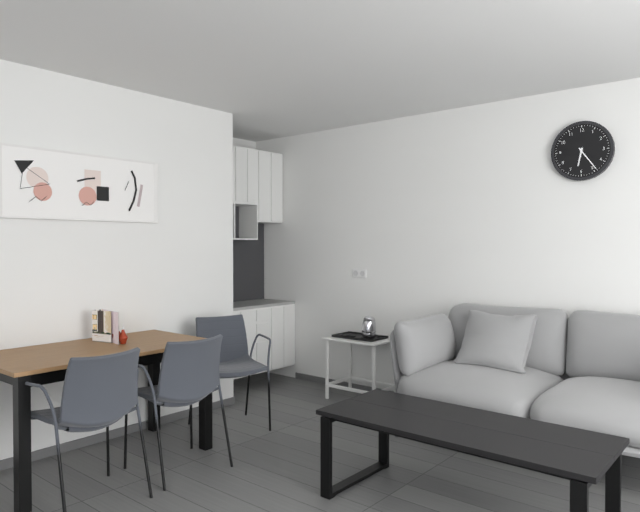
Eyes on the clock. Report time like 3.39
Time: 6.24
